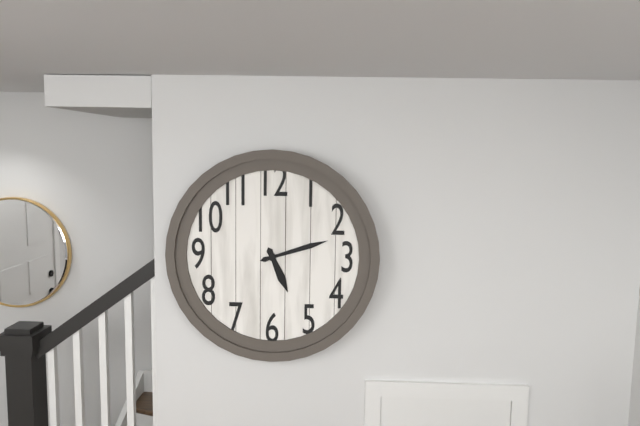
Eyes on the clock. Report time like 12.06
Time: 5.12
